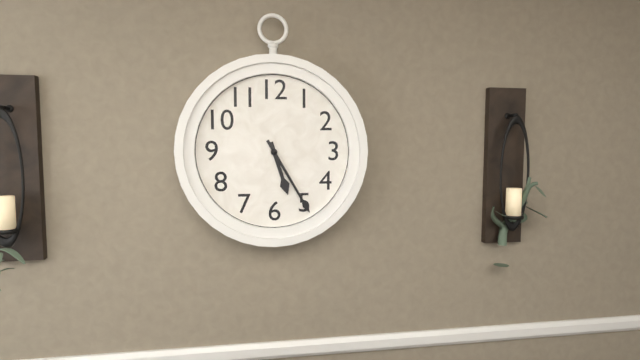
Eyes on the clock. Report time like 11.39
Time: 5.25
